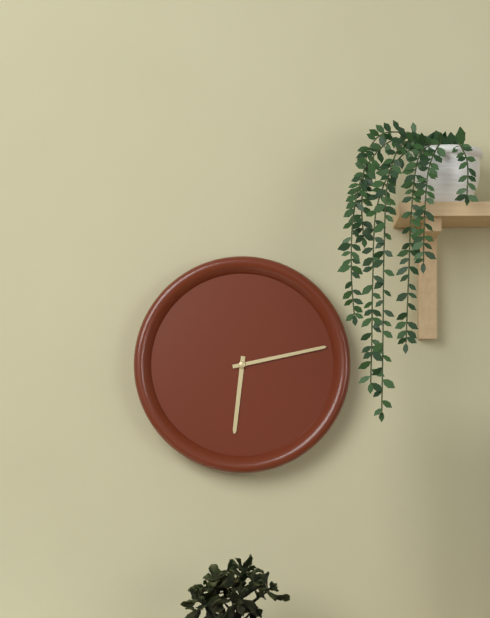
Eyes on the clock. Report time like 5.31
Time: 6.13
